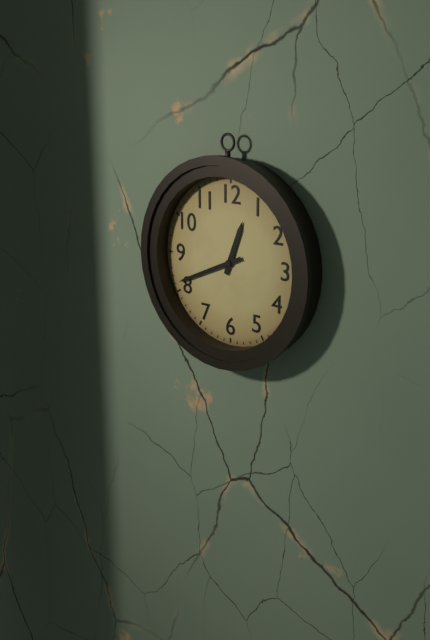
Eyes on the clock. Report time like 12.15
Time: 12.41
